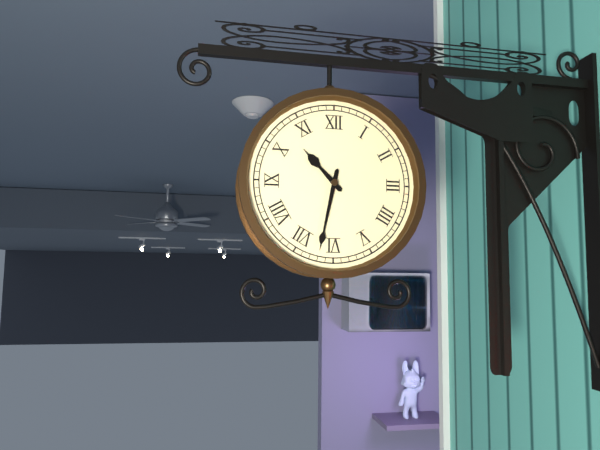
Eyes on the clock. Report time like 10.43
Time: 10.32
